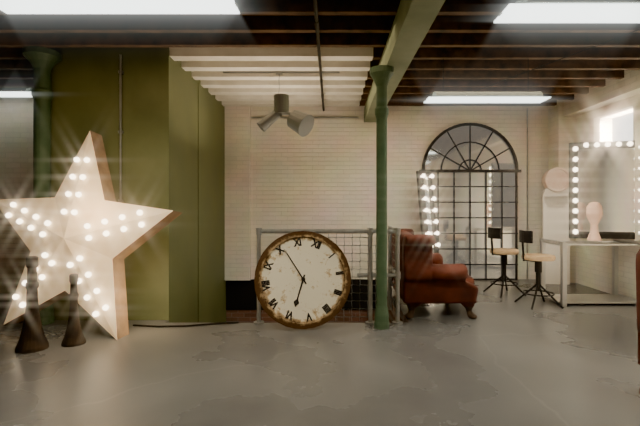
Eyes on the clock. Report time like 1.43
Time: 5.51
